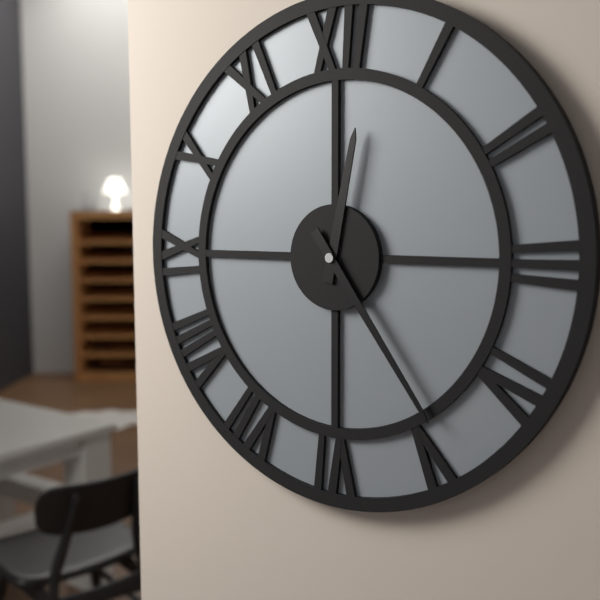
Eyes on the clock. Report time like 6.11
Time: 12.24
